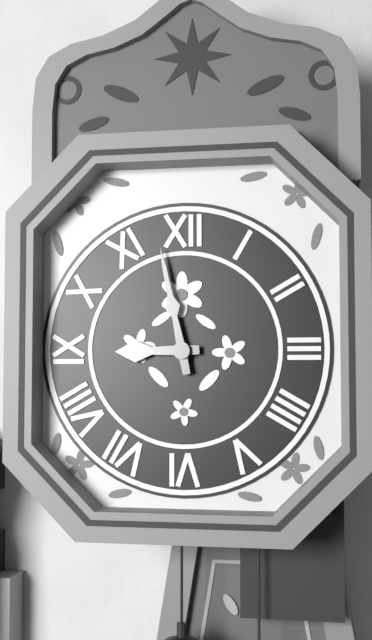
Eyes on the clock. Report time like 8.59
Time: 8.58
